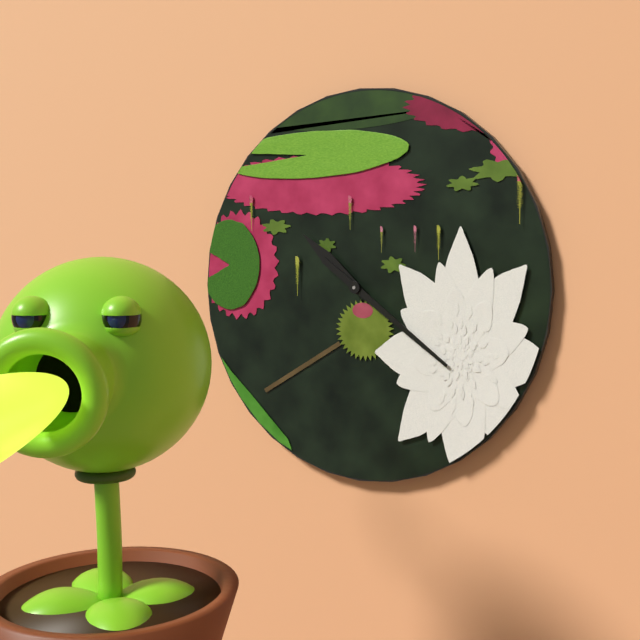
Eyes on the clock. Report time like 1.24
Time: 10.21
